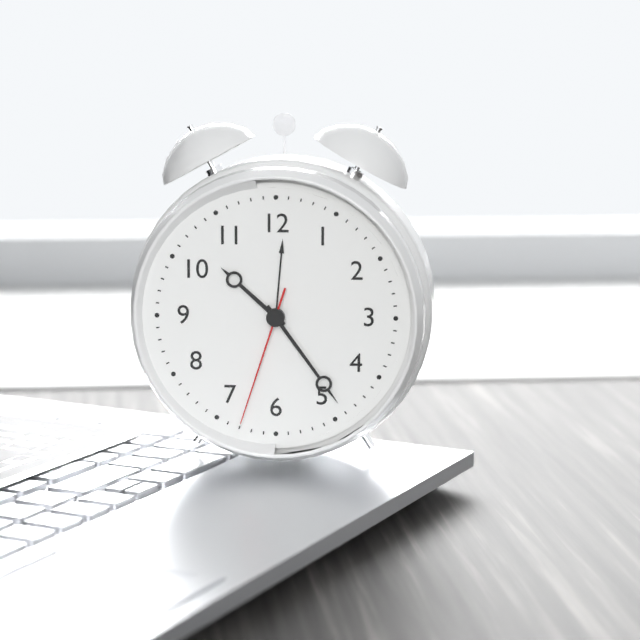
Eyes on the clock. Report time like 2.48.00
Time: 10.24.33
